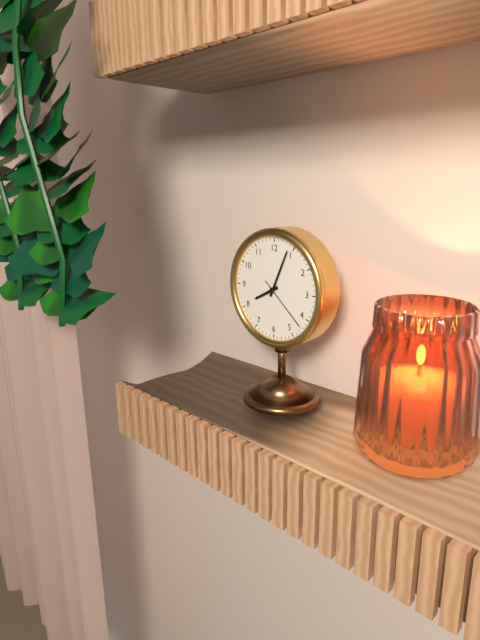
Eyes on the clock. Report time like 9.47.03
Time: 8.04.22
